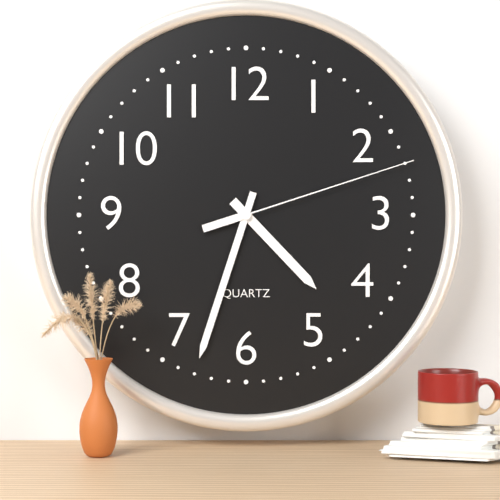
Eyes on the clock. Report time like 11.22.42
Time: 4.33.12
